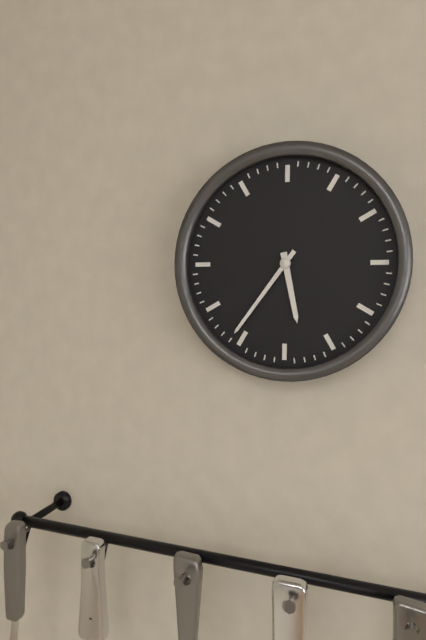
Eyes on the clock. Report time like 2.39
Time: 5.36
